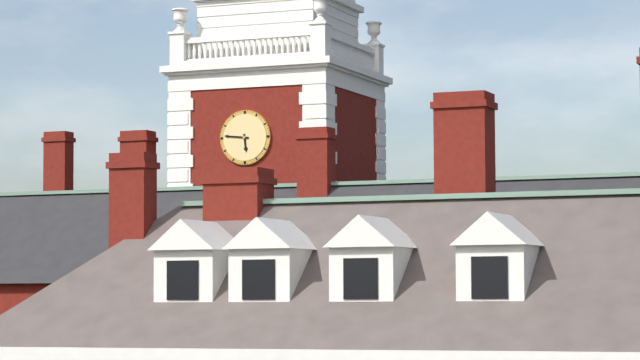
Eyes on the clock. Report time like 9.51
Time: 5.46
